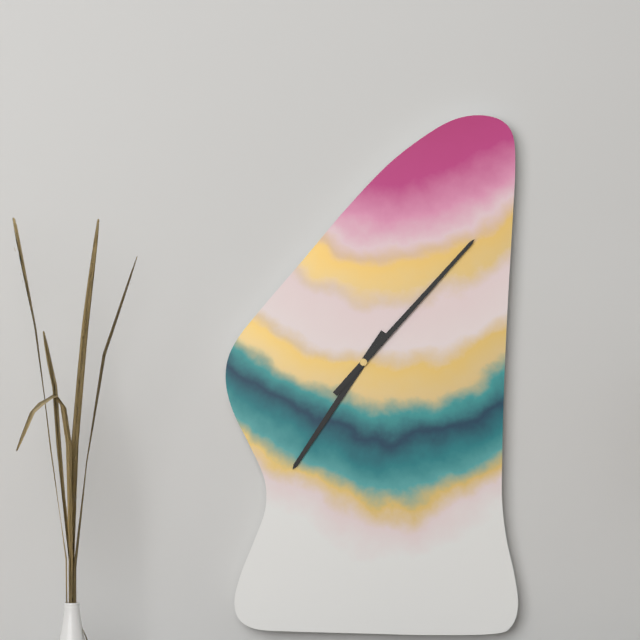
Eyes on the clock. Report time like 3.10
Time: 7.07
